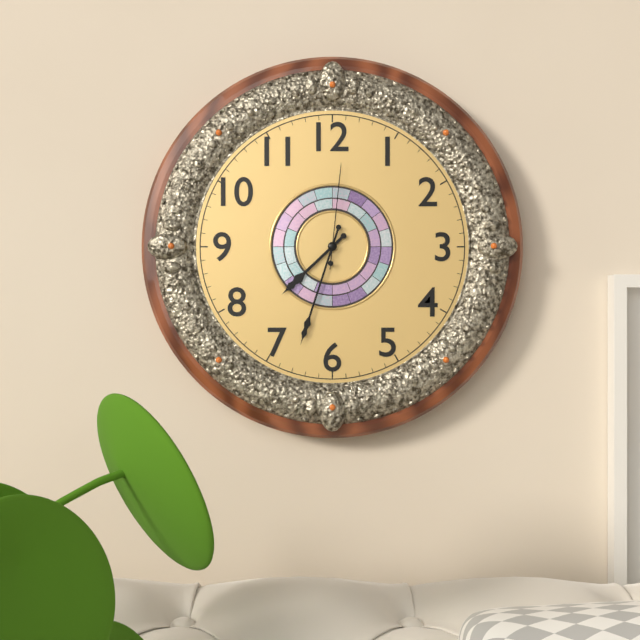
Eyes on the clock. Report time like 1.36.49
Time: 7.33.01
